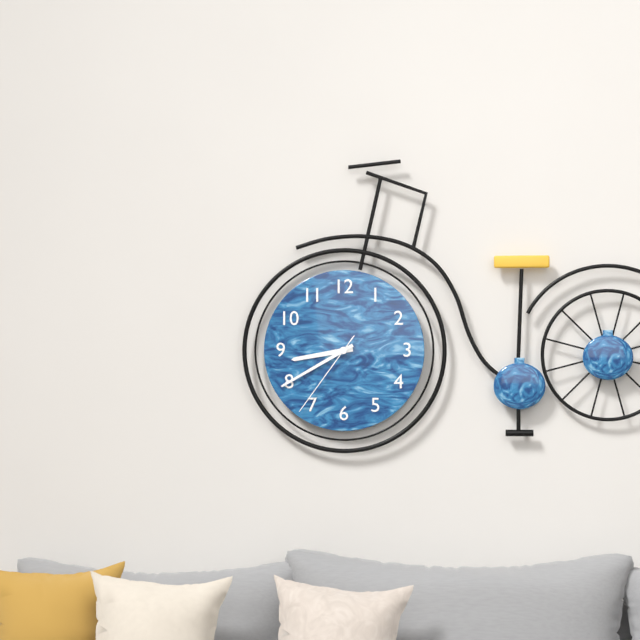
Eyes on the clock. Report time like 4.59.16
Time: 8.40.36
